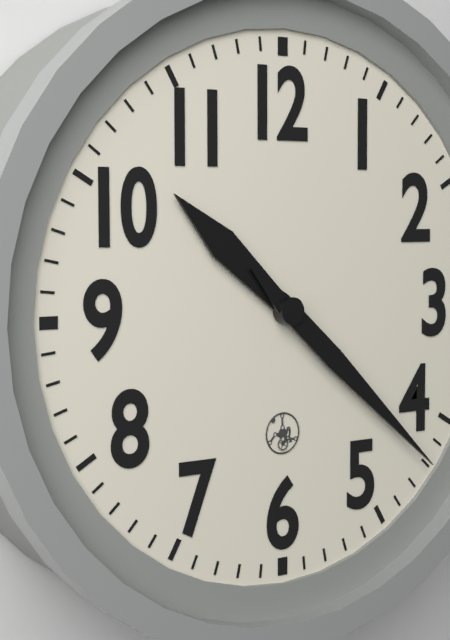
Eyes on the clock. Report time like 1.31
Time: 10.22
